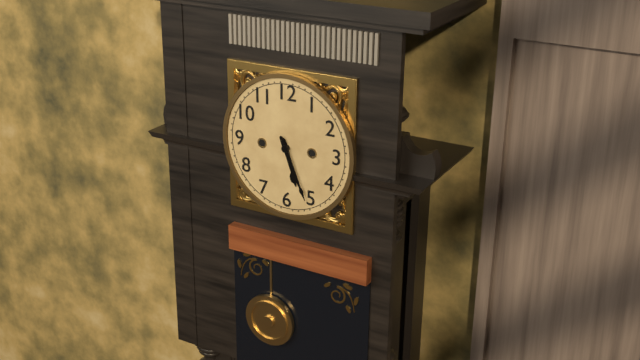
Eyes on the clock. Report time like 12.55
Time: 5.26
